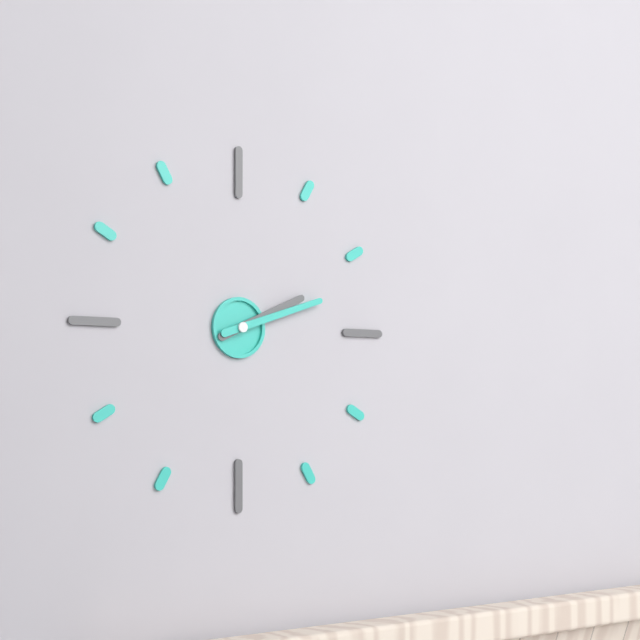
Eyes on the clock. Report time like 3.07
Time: 2.12
